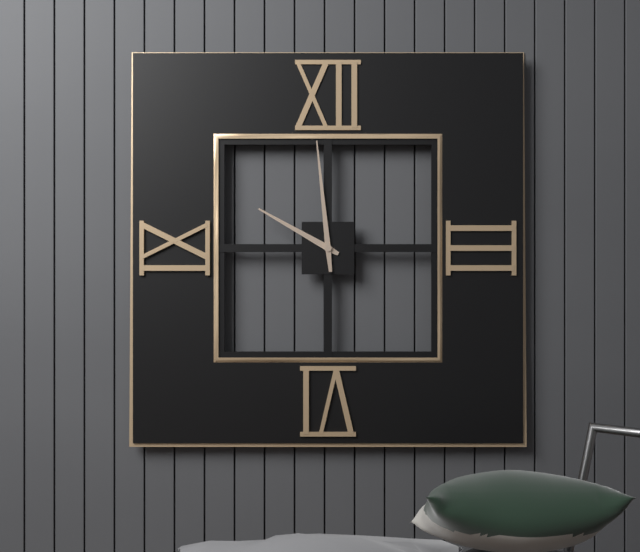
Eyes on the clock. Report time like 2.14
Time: 9.59
